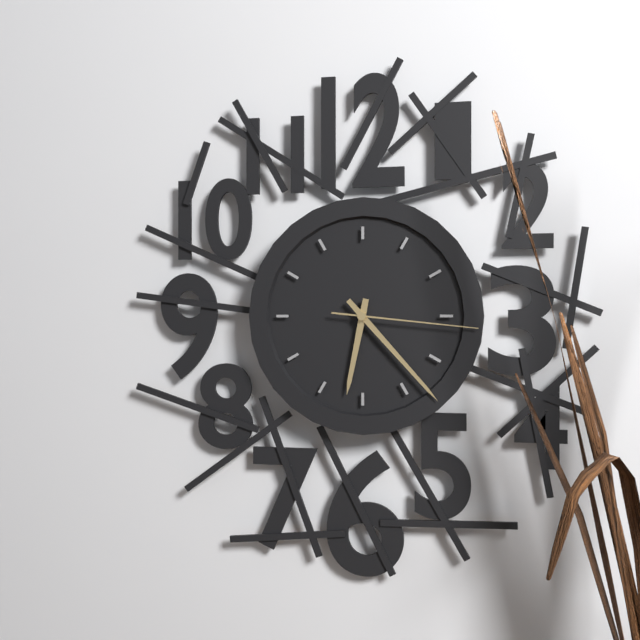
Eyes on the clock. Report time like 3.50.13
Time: 6.23.16
